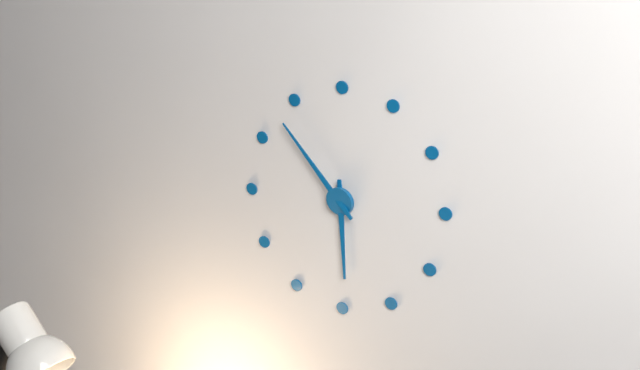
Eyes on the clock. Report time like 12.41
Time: 5.53
